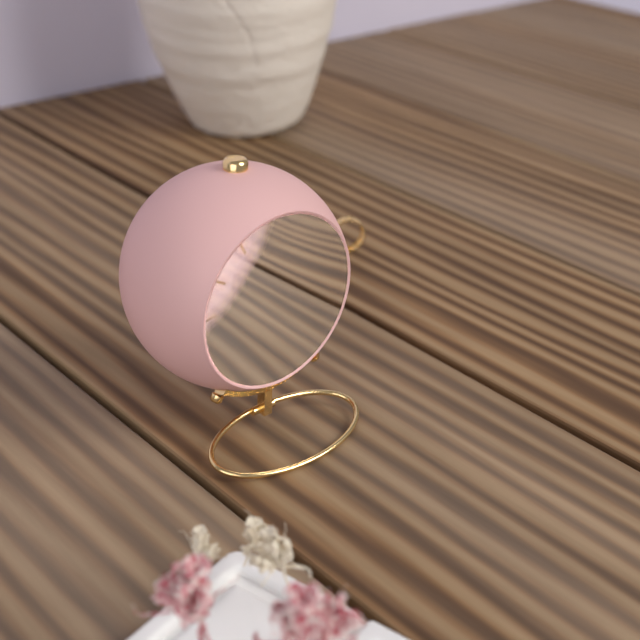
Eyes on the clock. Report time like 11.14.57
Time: 1.38.22
